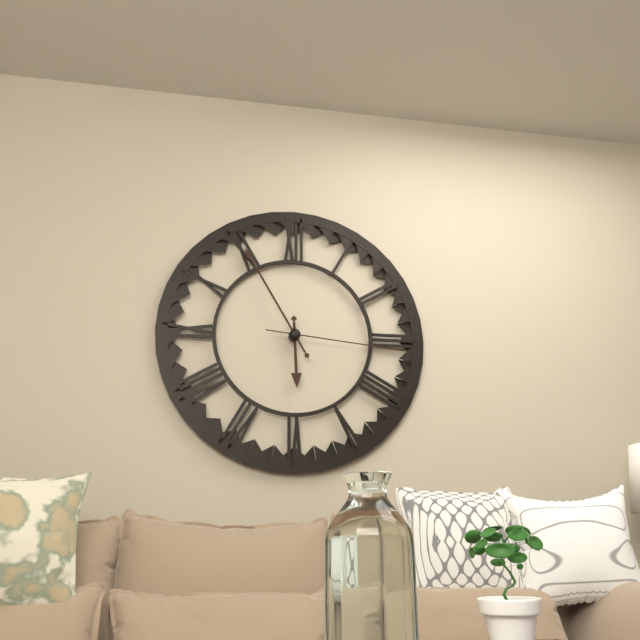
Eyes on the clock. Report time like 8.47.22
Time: 5.55.16
